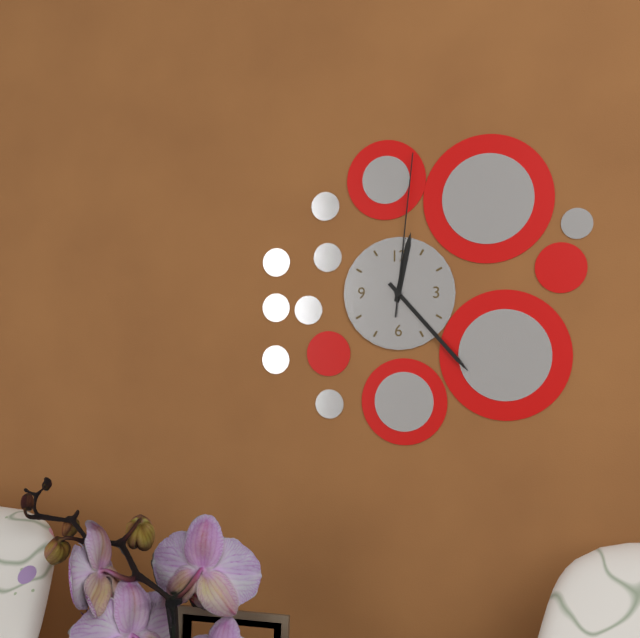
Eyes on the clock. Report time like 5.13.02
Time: 12.23.01
